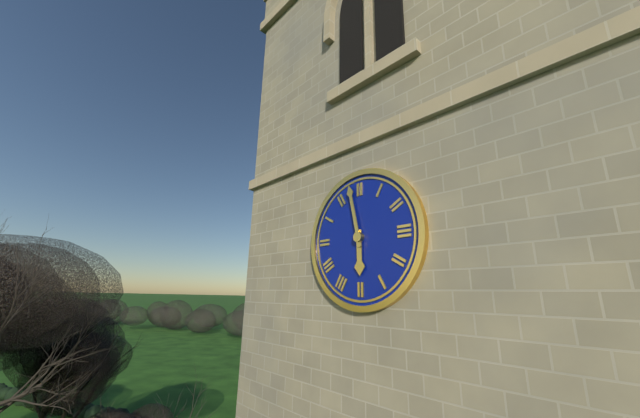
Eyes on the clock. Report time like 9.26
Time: 5.58
